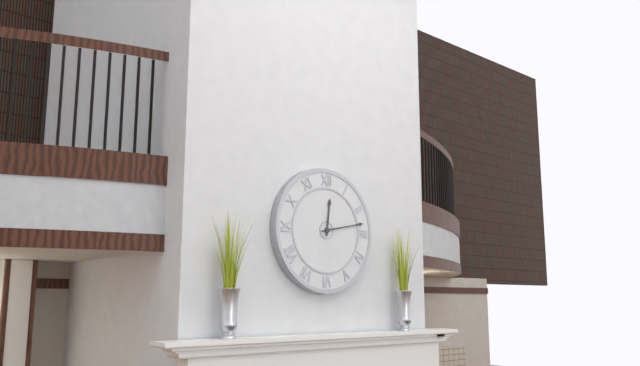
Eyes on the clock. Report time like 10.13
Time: 12.13
